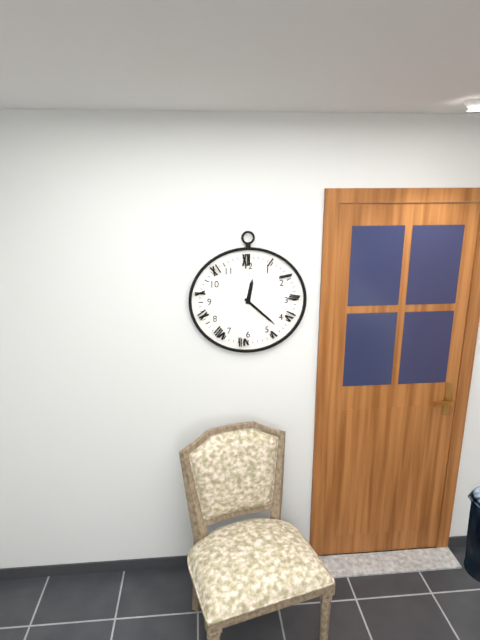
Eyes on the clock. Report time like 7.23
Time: 12.22
